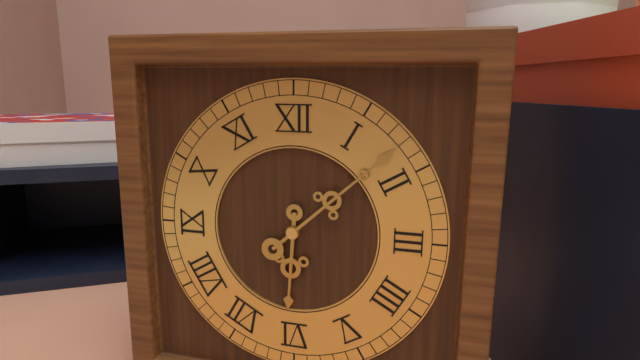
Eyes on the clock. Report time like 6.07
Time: 6.08
